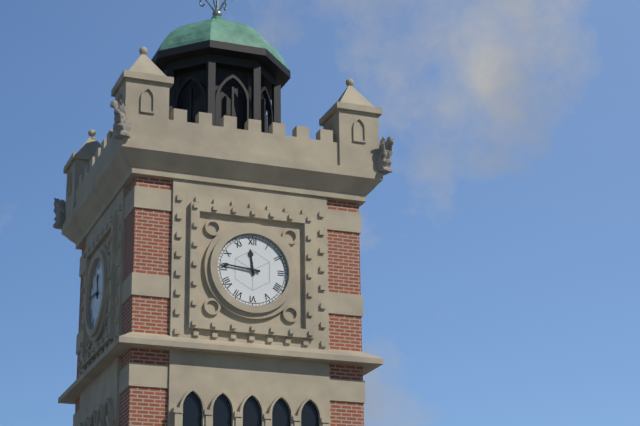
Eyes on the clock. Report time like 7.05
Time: 11.46
